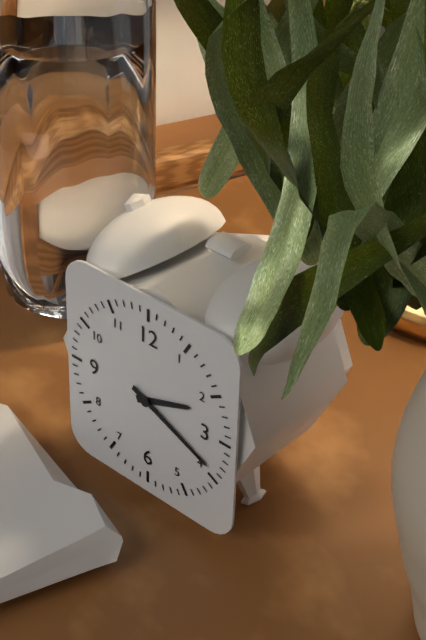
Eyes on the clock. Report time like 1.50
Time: 2.19
